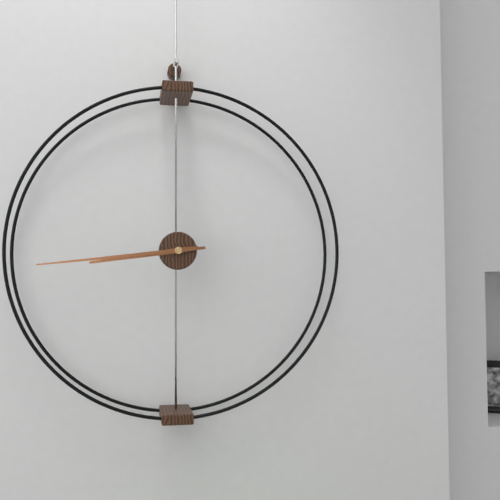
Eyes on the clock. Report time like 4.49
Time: 8.44
